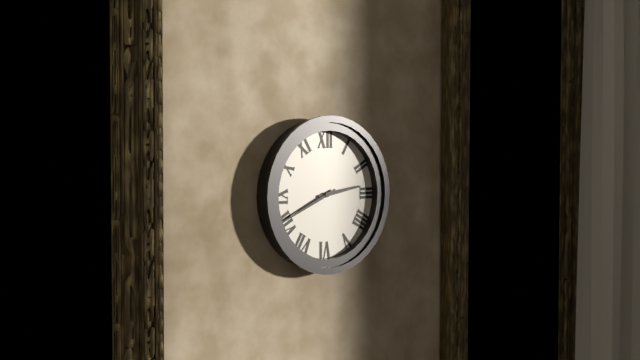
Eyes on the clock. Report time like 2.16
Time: 2.41
